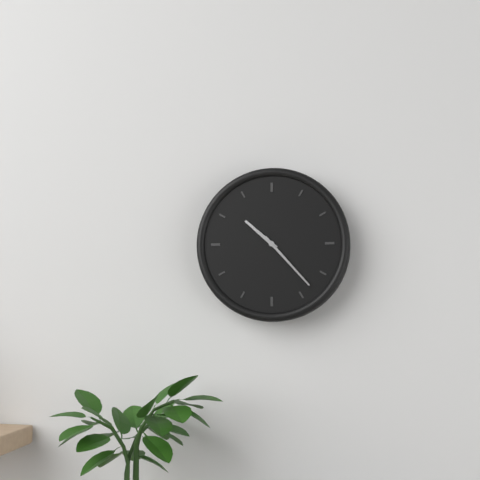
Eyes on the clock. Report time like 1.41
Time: 10.23
